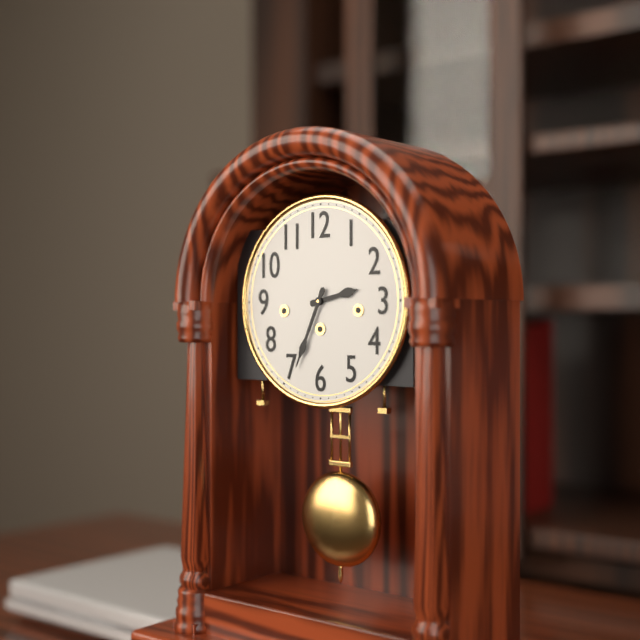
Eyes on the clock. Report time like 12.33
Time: 2.34
